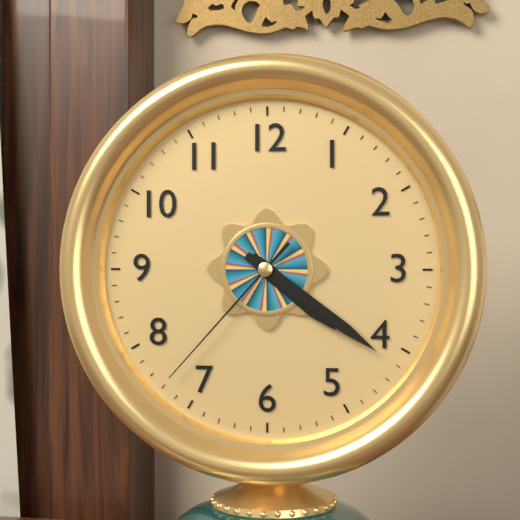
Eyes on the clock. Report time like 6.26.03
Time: 4.21.37
